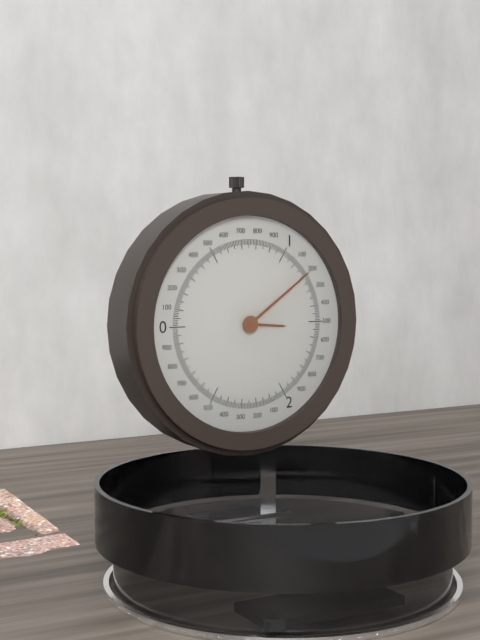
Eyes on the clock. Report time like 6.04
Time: 3.09
